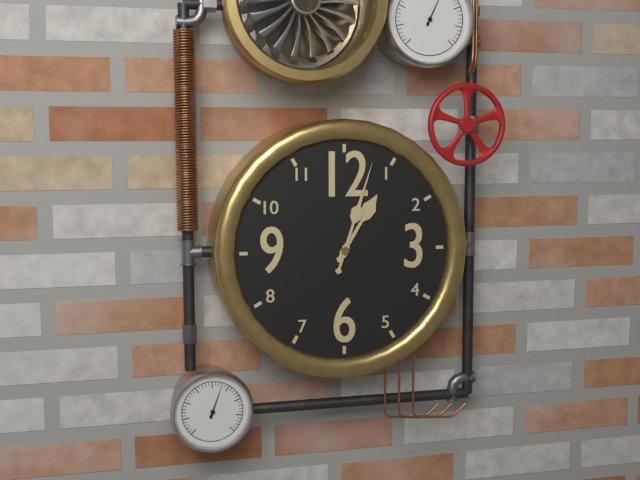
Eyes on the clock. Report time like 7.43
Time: 1.03
